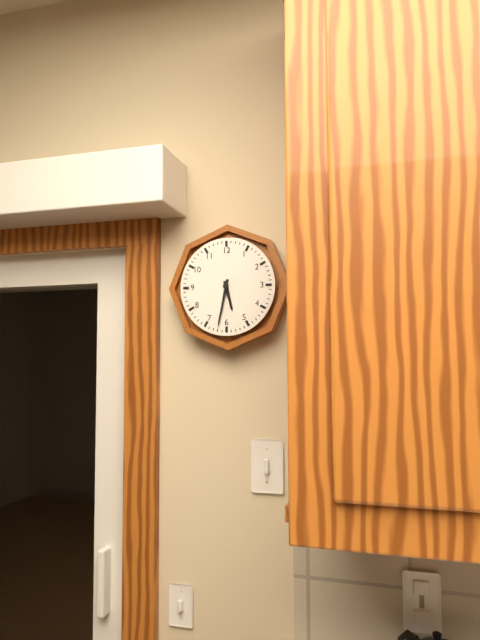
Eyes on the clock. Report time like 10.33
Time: 5.32
